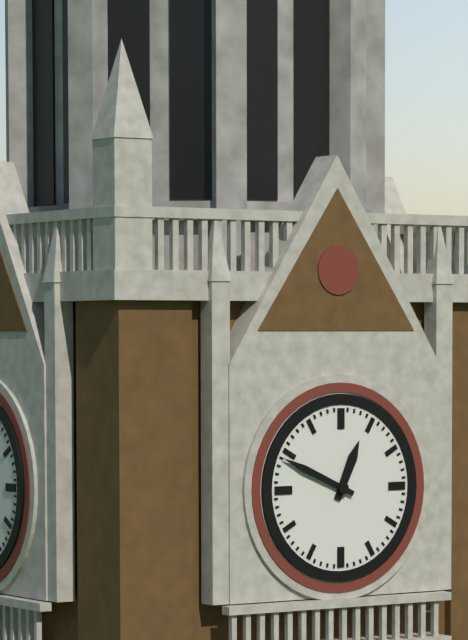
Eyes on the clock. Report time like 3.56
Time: 12.49
